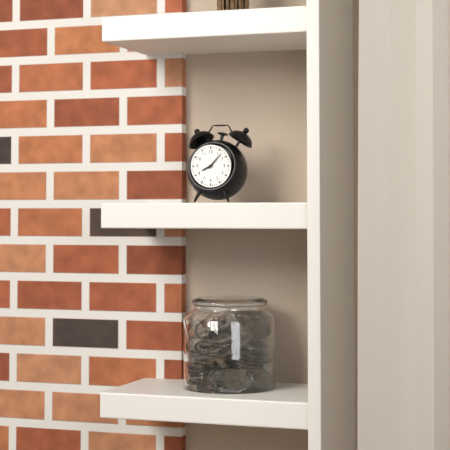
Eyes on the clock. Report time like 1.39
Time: 8.07
